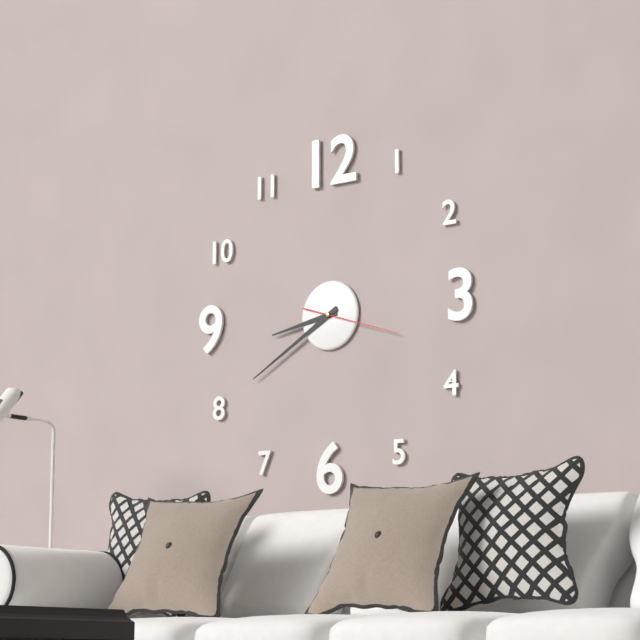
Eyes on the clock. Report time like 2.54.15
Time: 8.40.18
